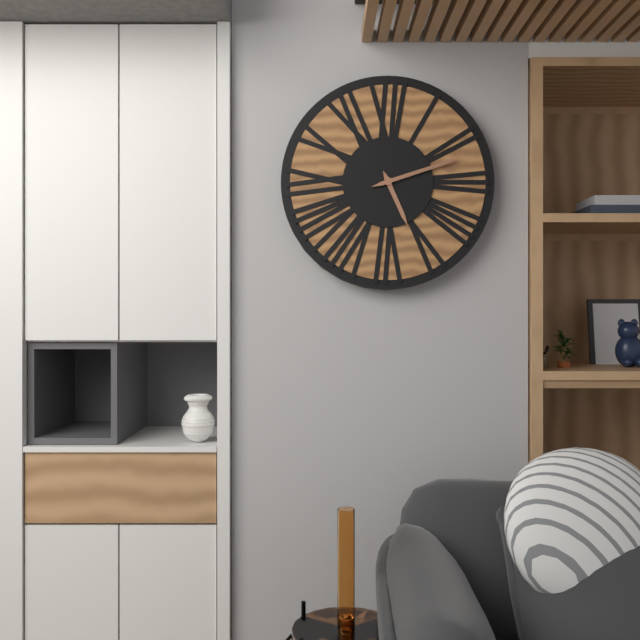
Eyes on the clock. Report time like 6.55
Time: 5.12
